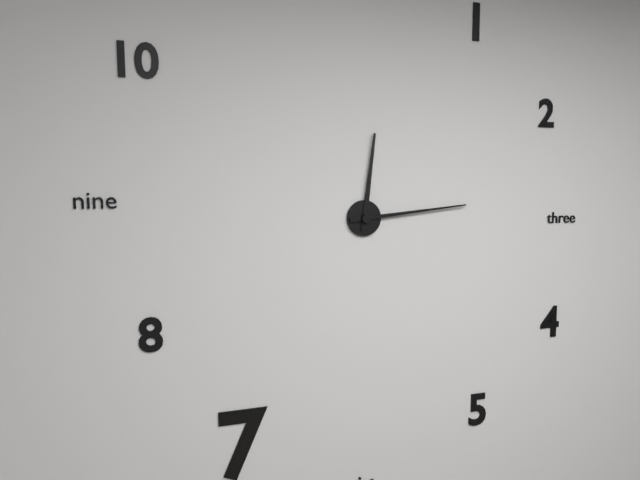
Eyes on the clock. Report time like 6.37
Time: 12.14
